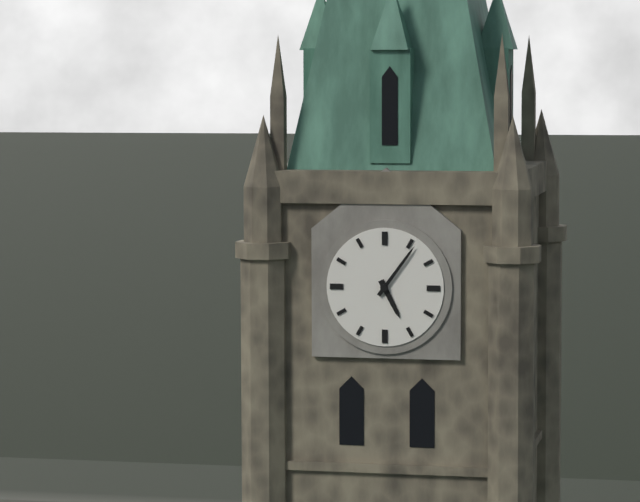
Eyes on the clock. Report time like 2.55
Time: 5.06
